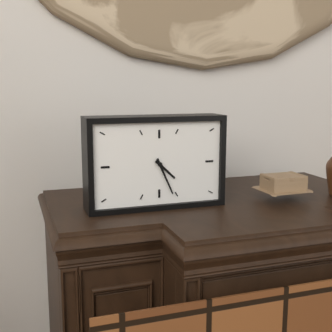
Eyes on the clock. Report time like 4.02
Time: 4.26
